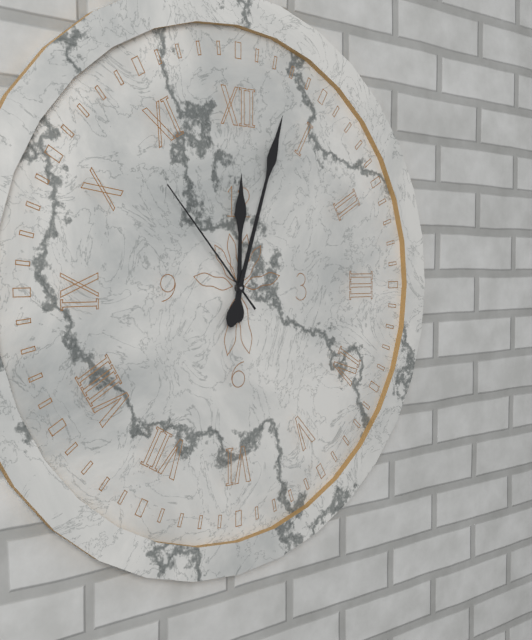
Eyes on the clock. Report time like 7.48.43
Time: 12.03.53
